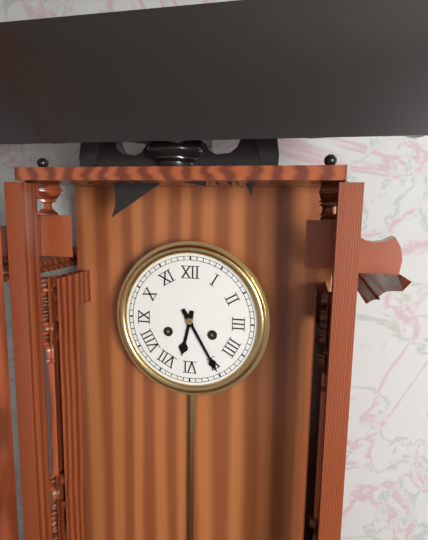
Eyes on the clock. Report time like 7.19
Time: 6.25
